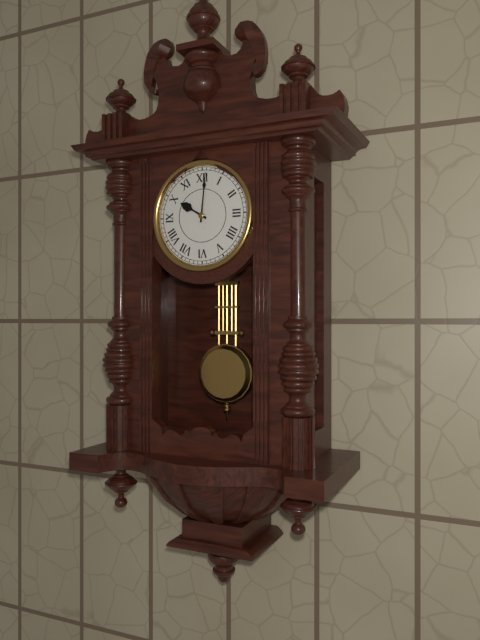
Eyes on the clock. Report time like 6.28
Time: 10.01
